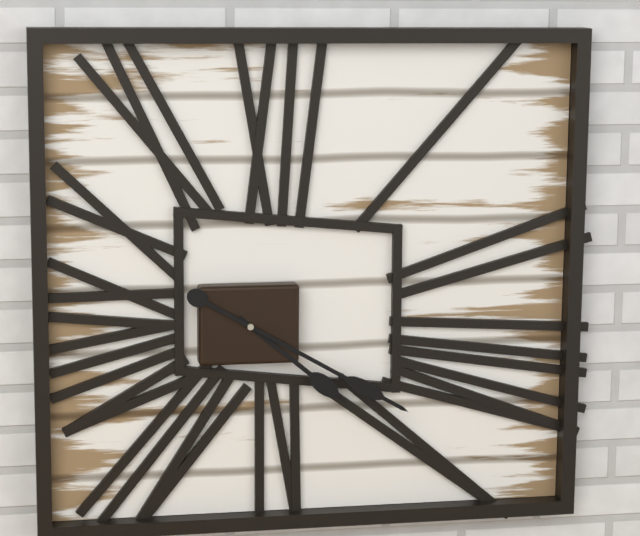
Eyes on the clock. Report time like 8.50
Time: 4.20
